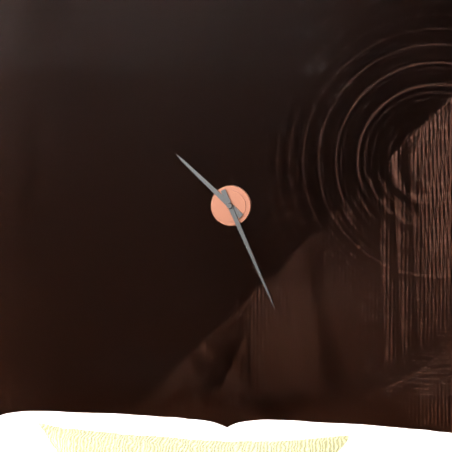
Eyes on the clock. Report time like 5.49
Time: 10.26
